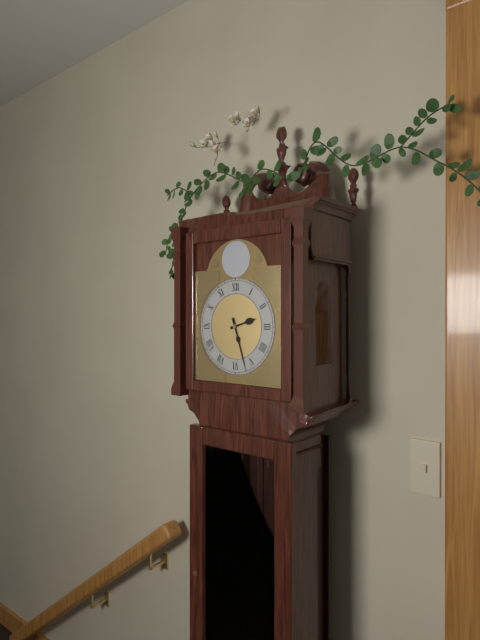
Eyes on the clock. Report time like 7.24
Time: 2.27
